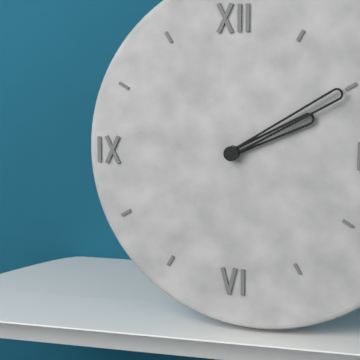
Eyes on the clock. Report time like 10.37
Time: 2.10
